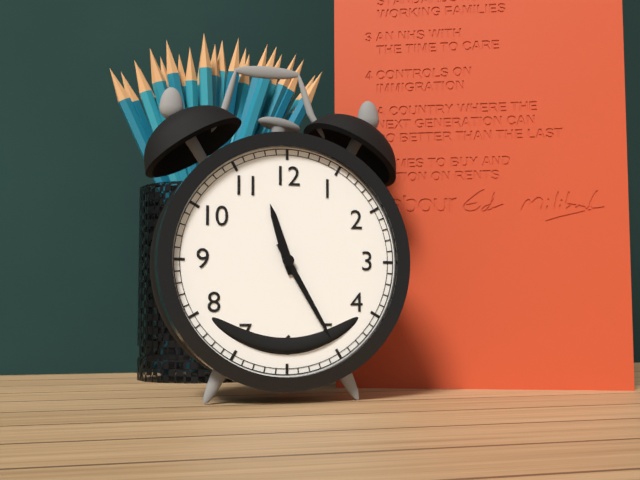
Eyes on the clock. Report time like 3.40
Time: 11.25
